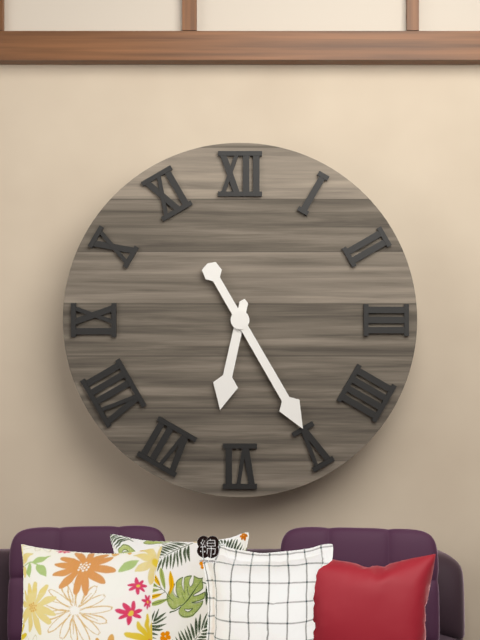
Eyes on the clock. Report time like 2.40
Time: 6.25
